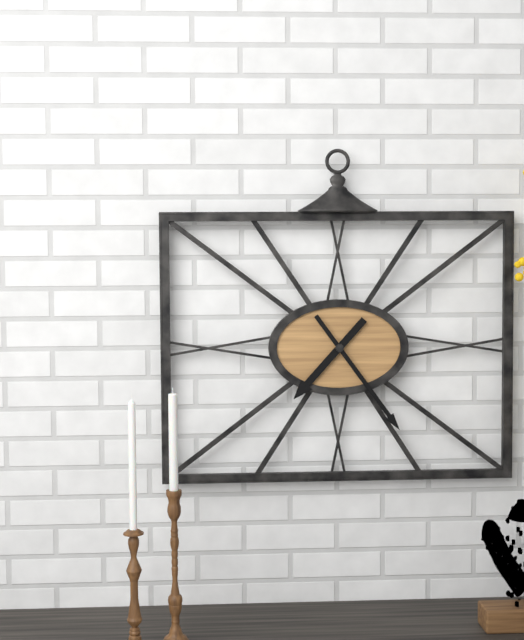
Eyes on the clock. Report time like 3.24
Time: 7.24
